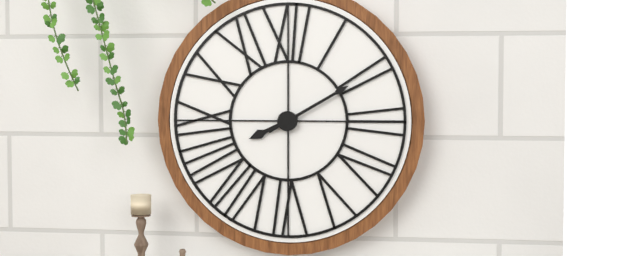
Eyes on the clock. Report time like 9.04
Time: 8.10
